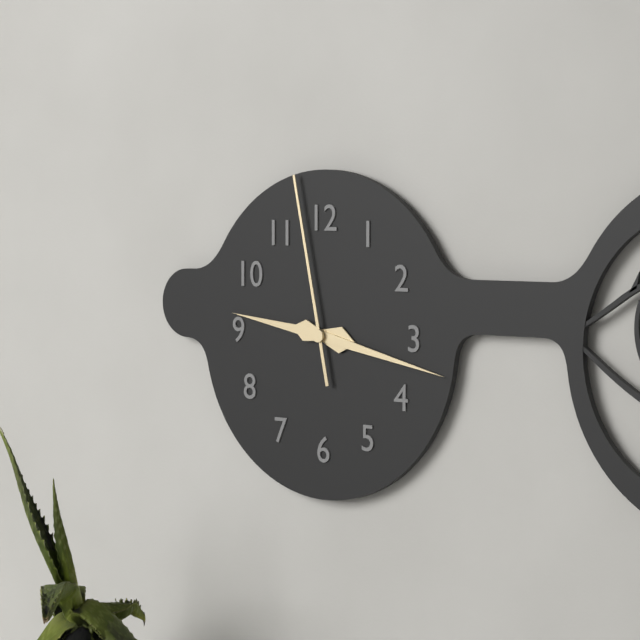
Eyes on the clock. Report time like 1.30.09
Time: 9.17.58
